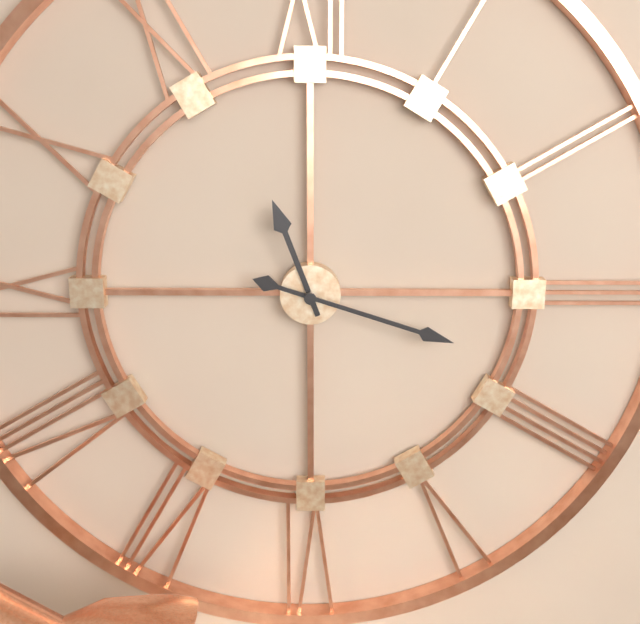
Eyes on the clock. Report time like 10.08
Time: 11.18
